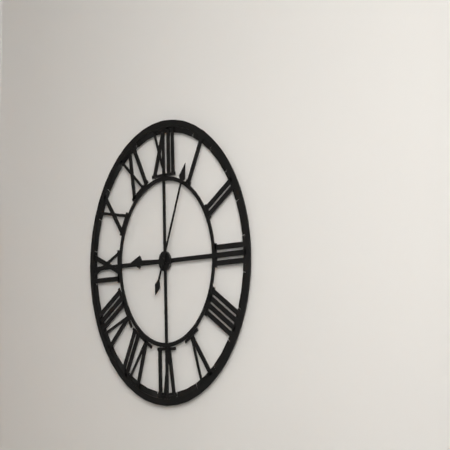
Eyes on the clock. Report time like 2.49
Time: 9.04
